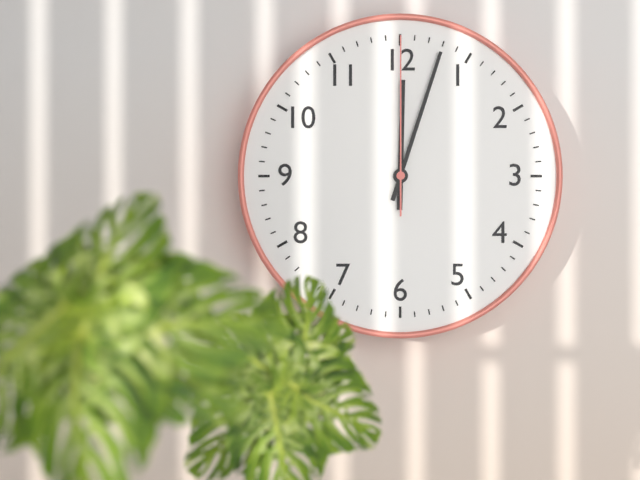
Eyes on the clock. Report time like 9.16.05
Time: 12.03.00
